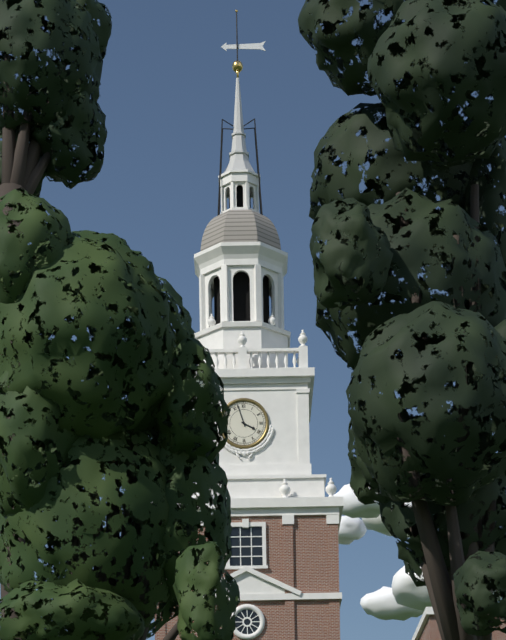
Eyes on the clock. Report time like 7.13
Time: 3.57
